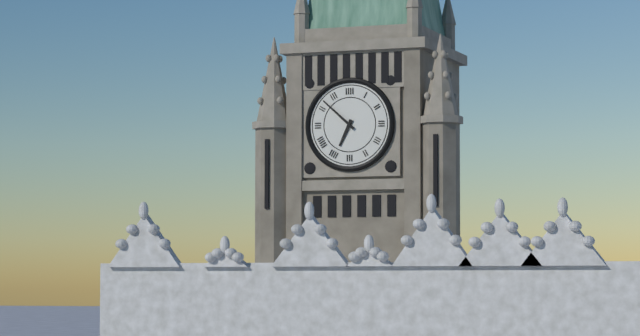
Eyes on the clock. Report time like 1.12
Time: 6.52
